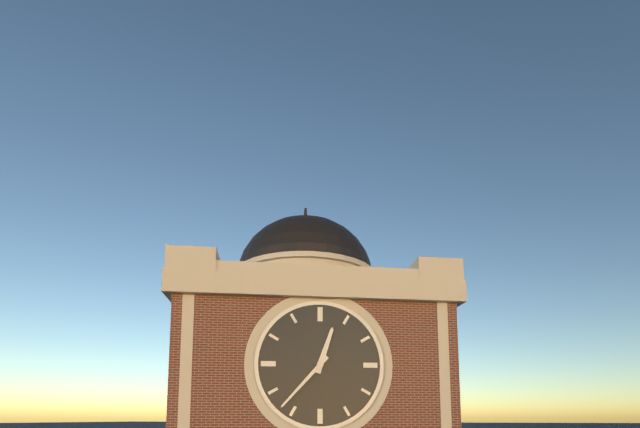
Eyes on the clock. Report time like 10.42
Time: 12.37
